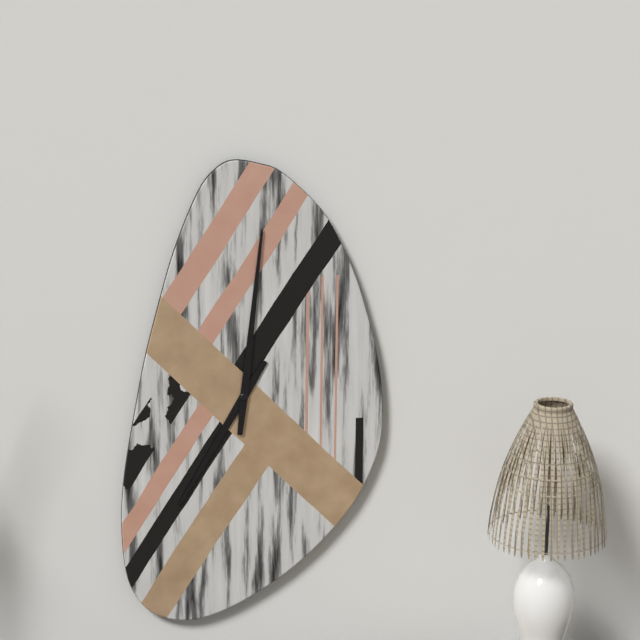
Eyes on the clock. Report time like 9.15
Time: 7.01
